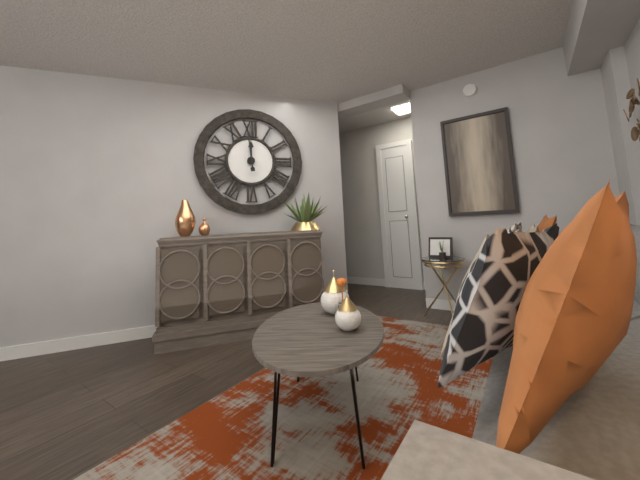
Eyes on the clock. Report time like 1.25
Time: 11.59
